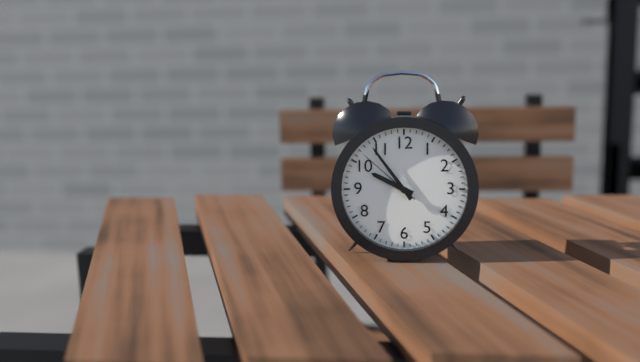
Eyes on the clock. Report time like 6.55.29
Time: 9.54.52
